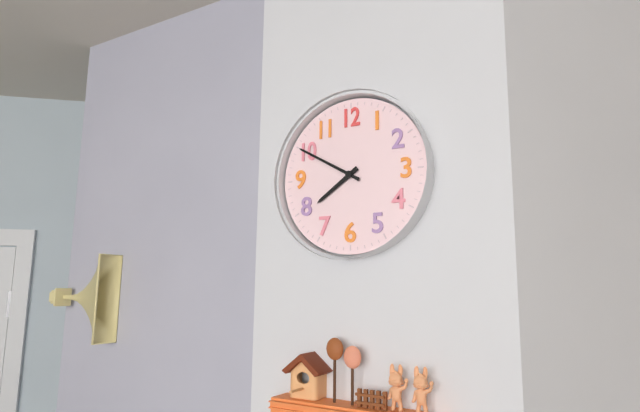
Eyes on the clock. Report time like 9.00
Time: 7.50
